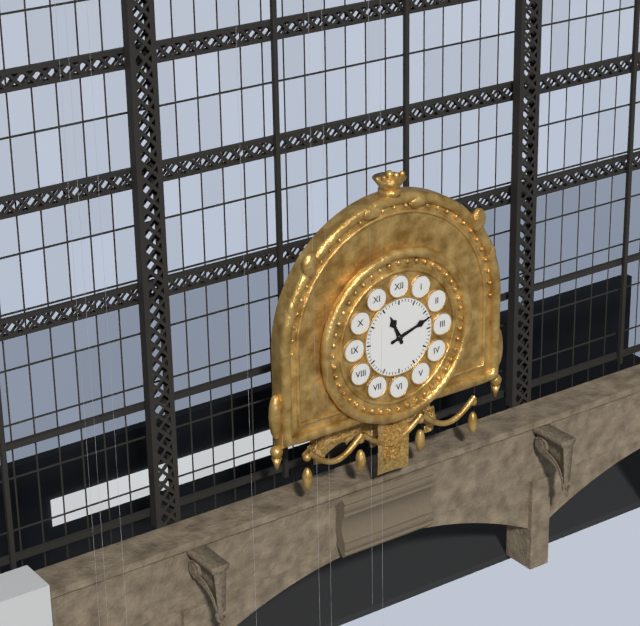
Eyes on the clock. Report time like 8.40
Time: 11.12
